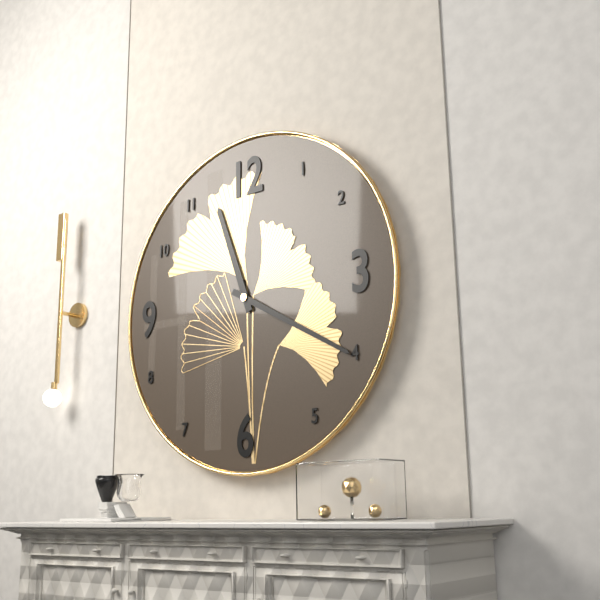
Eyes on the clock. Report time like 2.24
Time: 11.20
